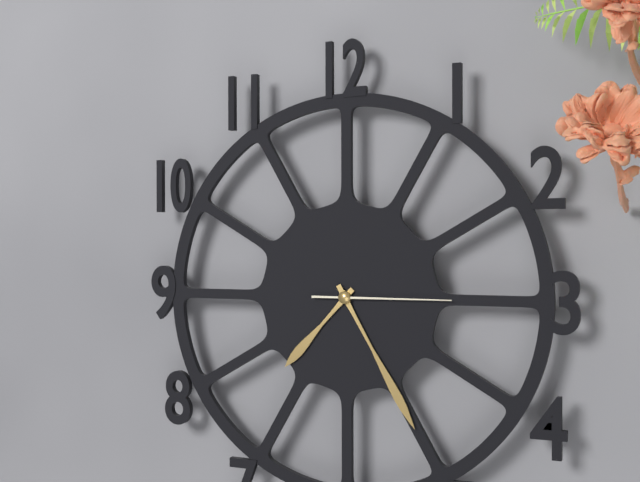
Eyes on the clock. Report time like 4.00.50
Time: 7.25.15
